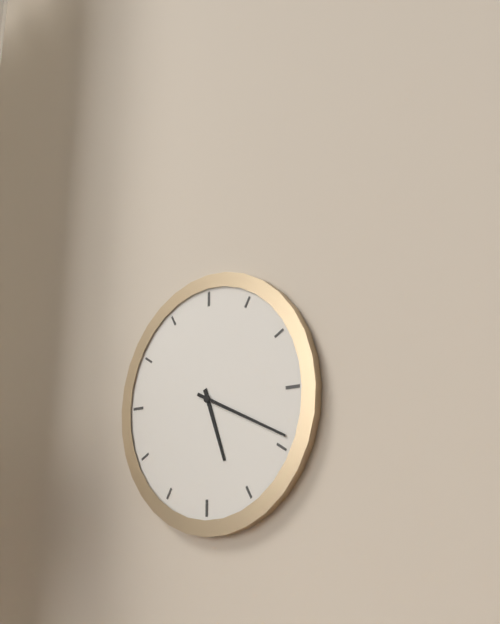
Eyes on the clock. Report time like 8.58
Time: 5.19
